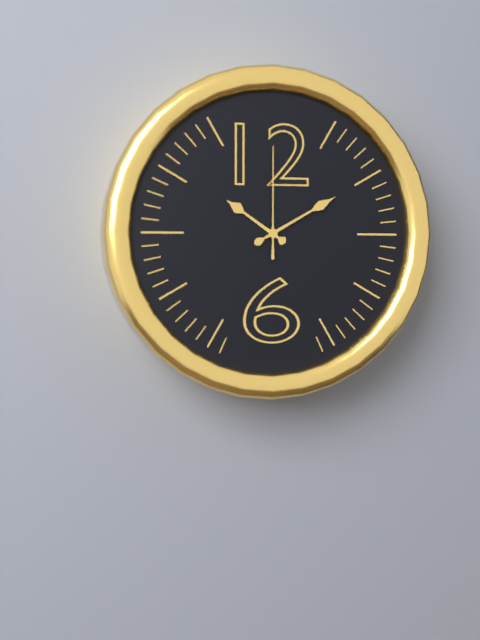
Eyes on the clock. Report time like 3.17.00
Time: 10.10.00
